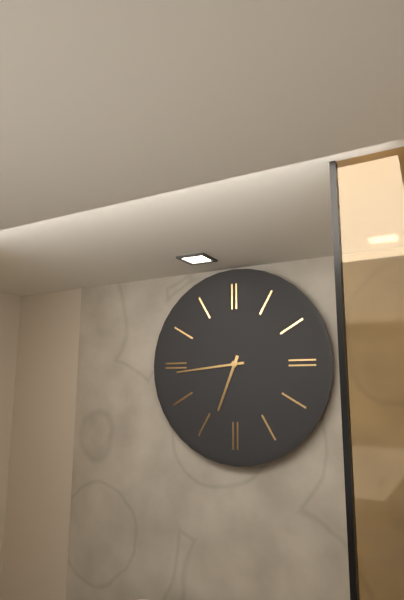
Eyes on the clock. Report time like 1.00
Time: 6.44
